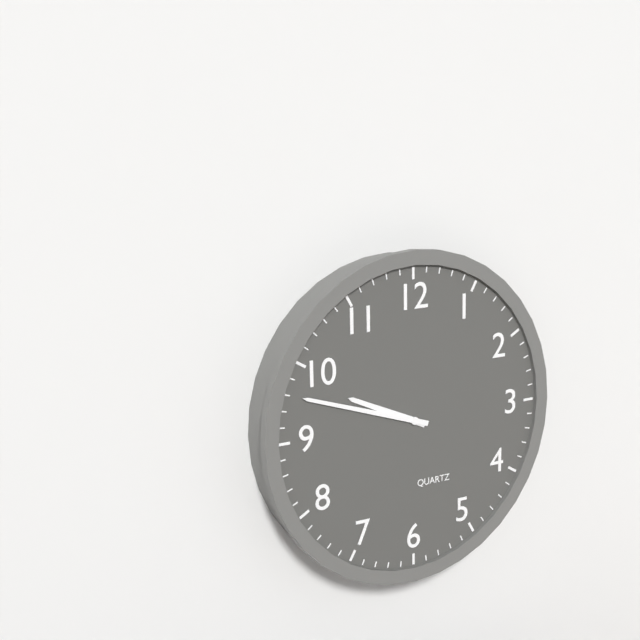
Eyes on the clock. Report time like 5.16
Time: 9.48
